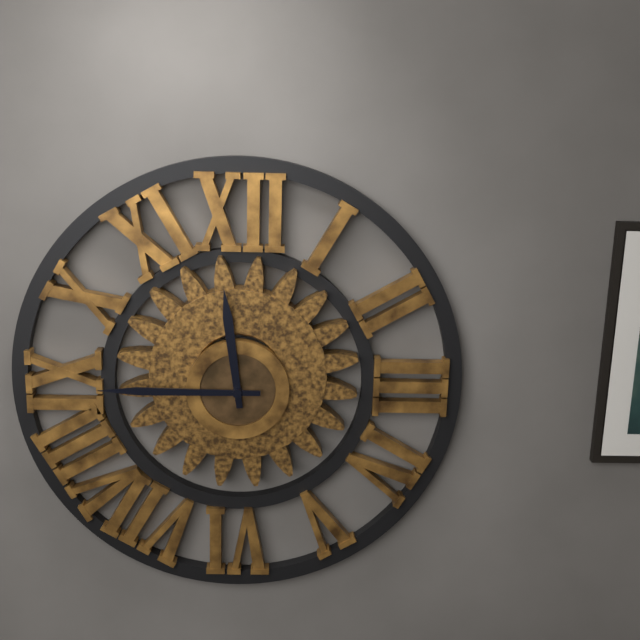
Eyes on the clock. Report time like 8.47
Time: 11.45
